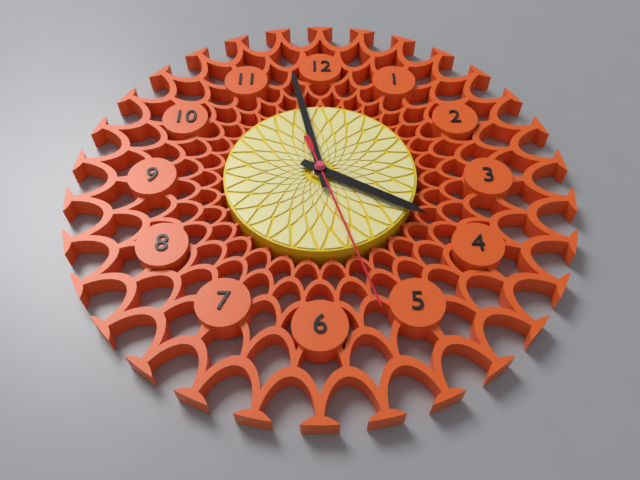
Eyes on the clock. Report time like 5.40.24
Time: 3.58.27
